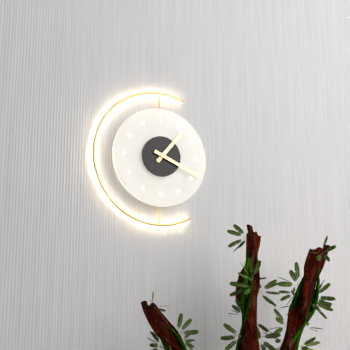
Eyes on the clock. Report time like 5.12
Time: 1.19
